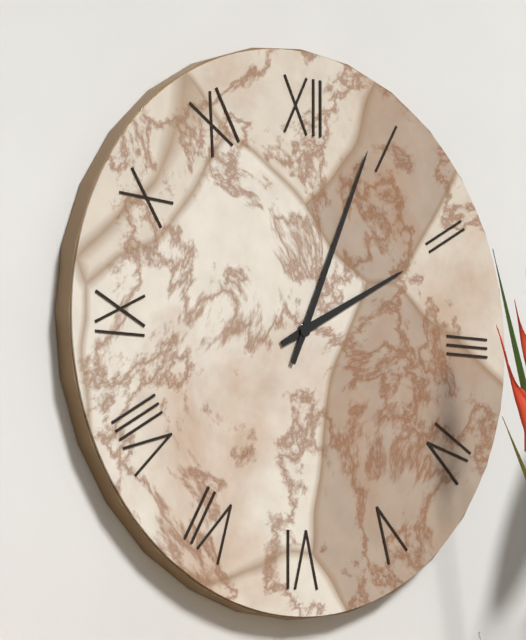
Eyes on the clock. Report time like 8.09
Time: 2.04
